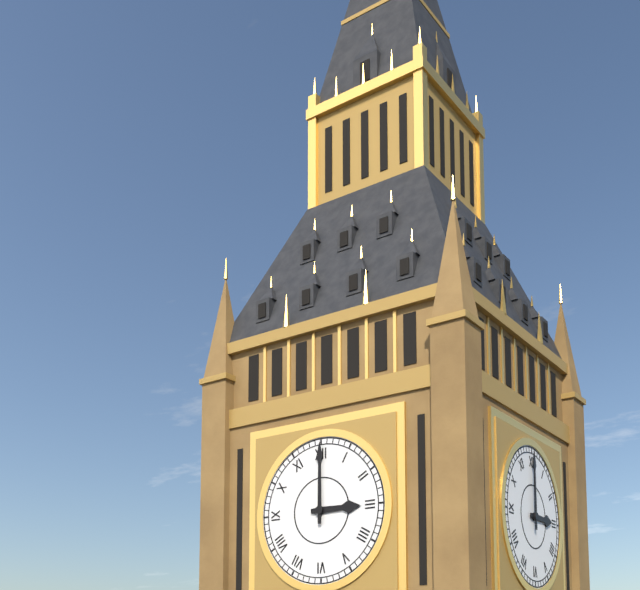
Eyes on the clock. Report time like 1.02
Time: 3.00
